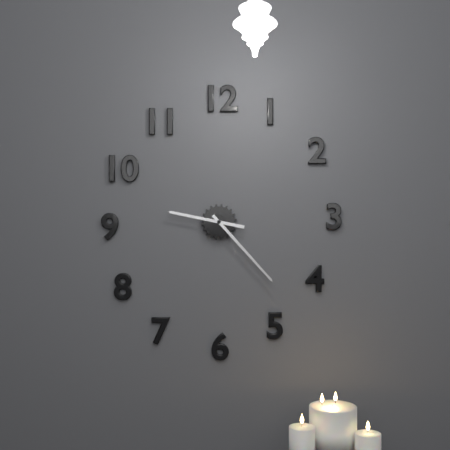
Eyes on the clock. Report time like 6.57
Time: 9.23
